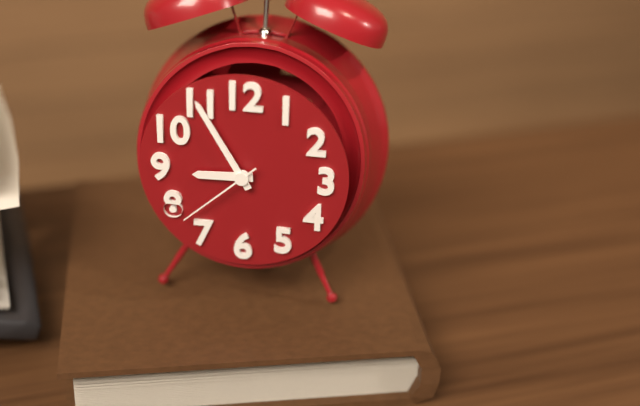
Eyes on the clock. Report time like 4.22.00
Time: 8.55.38
